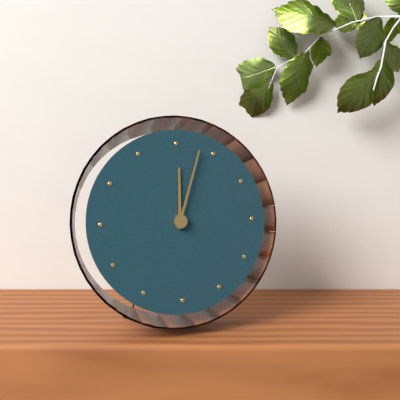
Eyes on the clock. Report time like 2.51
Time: 12.03
